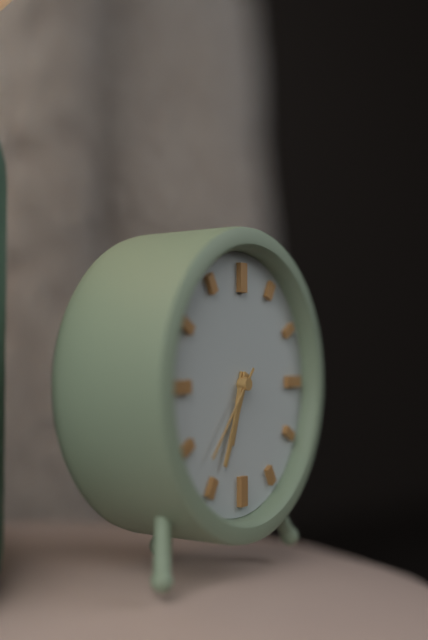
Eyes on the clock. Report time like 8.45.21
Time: 6.34.37
